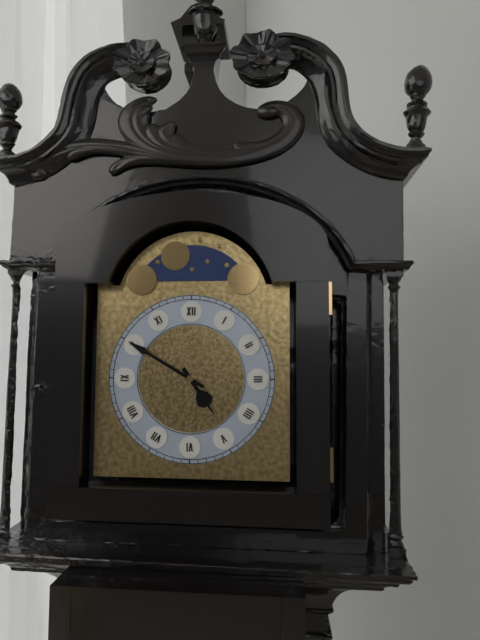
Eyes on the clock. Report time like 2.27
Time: 4.50
